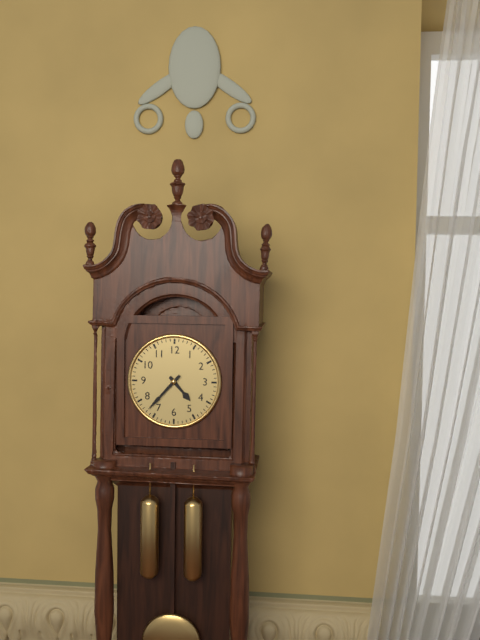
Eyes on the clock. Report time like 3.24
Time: 4.37
